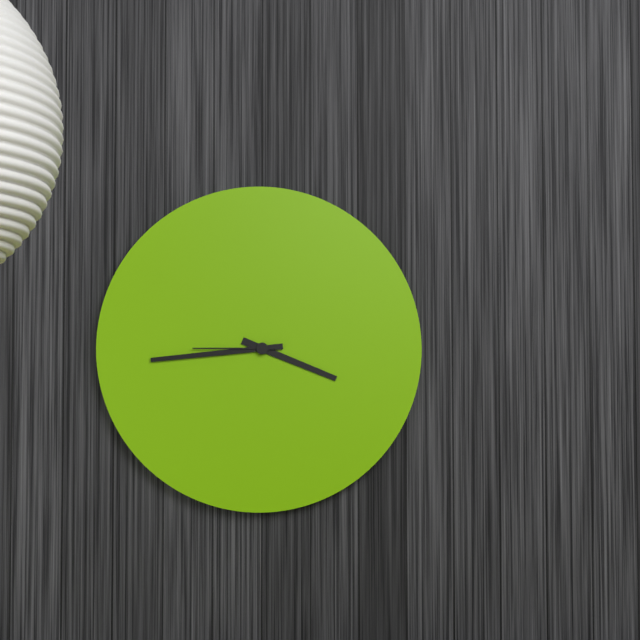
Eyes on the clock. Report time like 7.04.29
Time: 3.44.45
